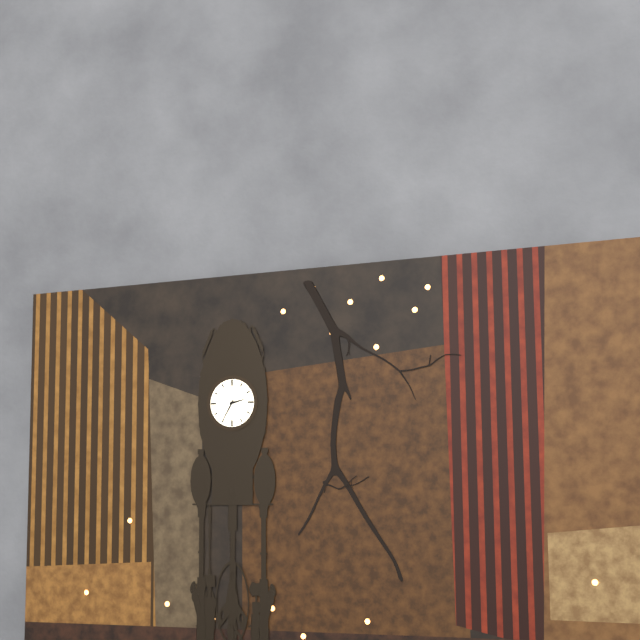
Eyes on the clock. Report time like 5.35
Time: 2.35
